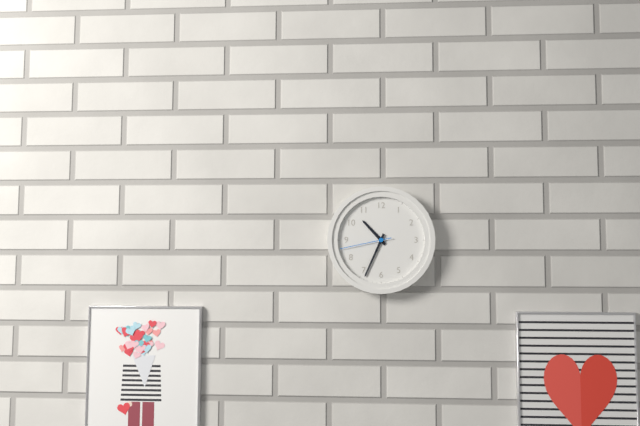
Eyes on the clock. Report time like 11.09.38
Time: 10.34.43
